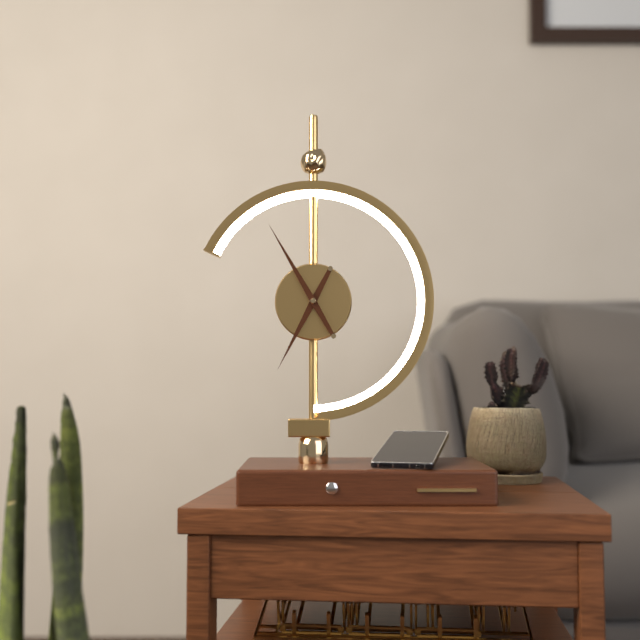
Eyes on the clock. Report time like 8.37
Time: 6.55
